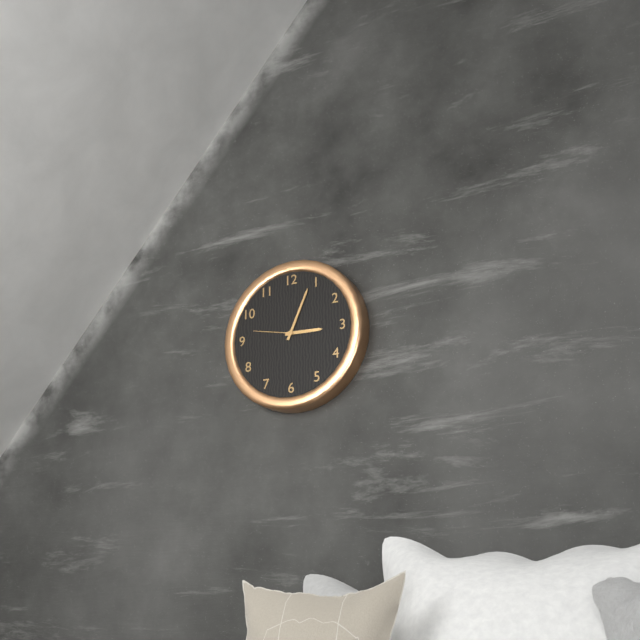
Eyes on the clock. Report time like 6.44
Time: 3.04
